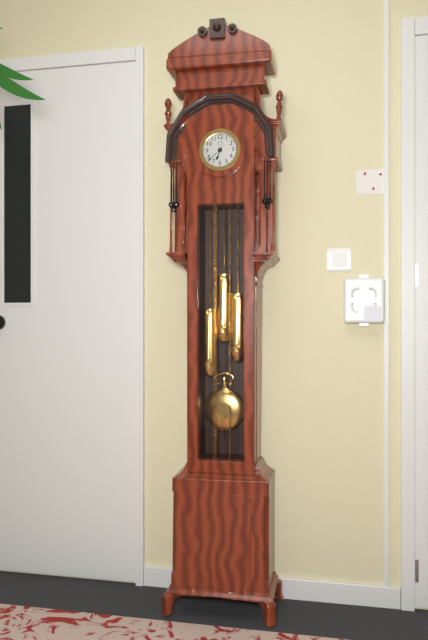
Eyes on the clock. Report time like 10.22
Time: 6.38
